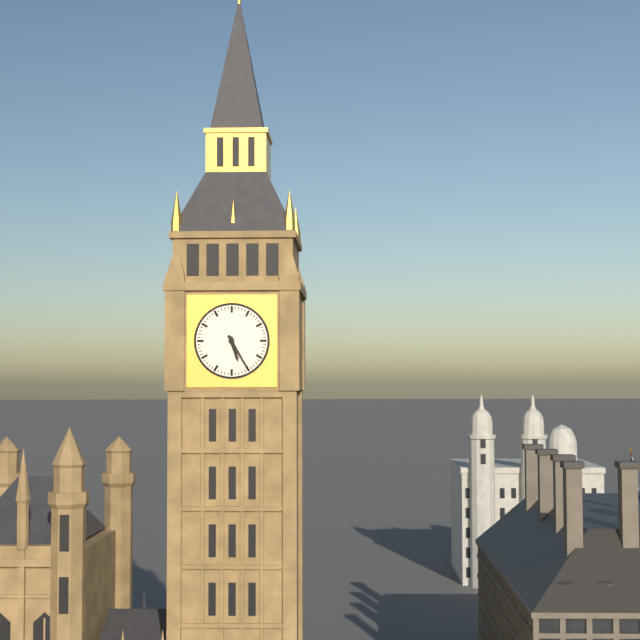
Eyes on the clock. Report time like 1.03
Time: 5.25
